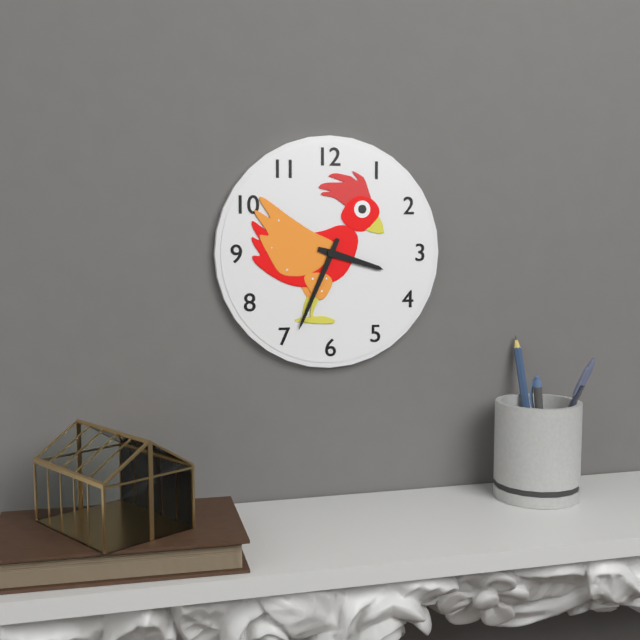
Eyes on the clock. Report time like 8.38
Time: 3.34
